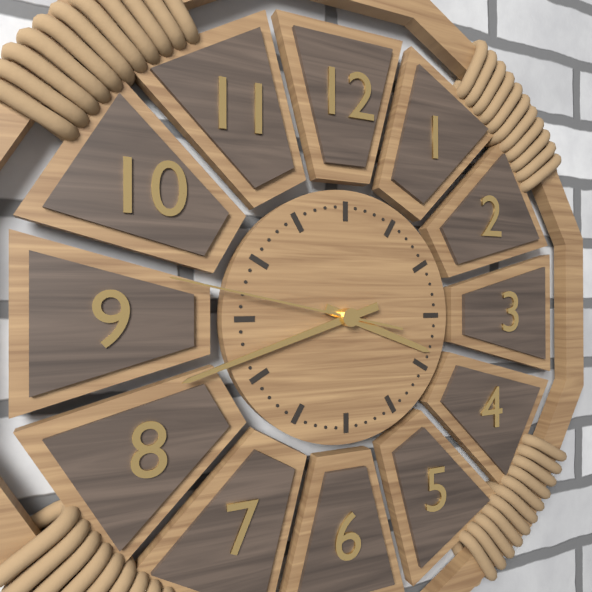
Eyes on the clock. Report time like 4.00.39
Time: 3.42.47
